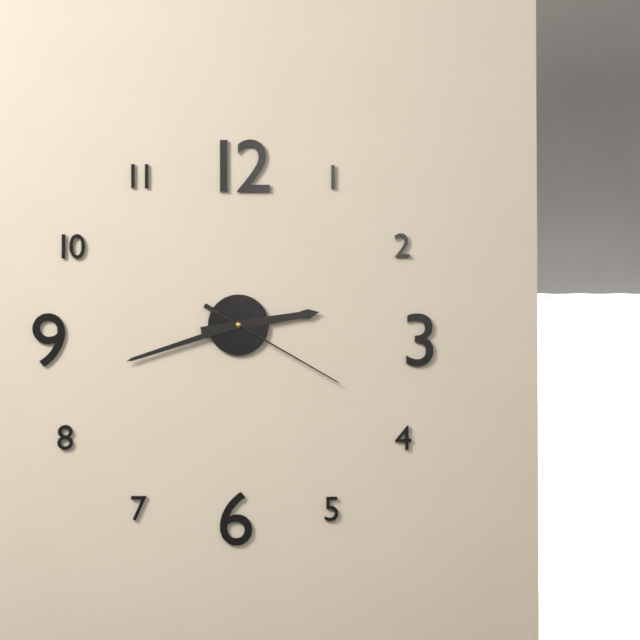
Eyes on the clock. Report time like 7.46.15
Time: 2.42.20
